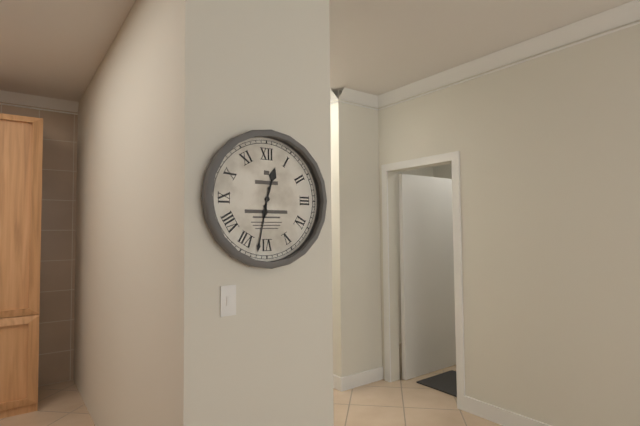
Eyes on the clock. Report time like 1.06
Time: 12.32
